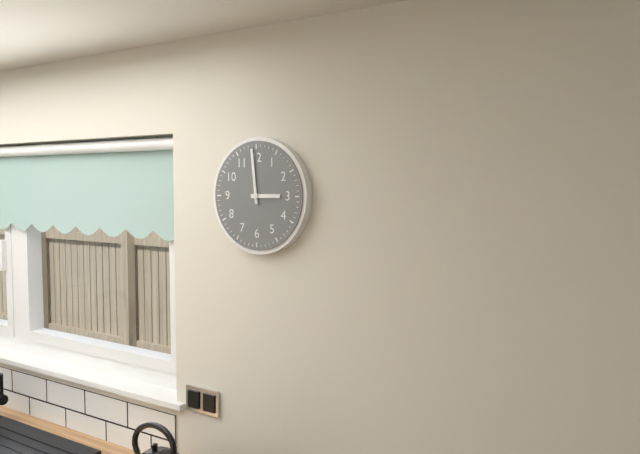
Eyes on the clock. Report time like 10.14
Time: 2.59
